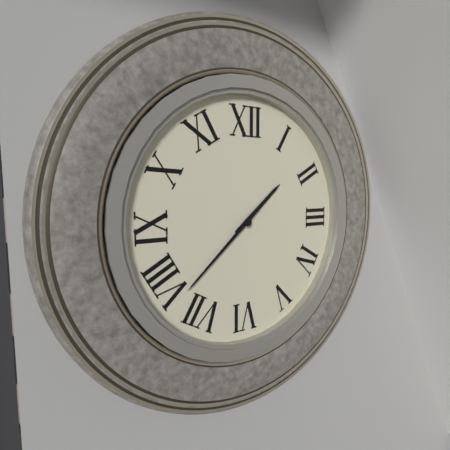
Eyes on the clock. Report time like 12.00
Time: 1.38
